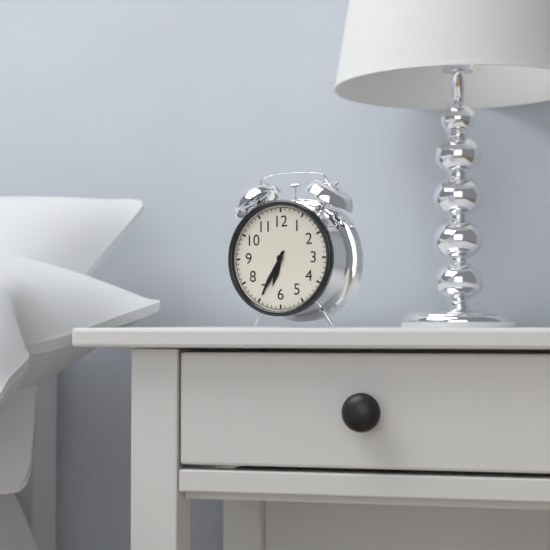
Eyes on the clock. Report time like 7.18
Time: 6.35
